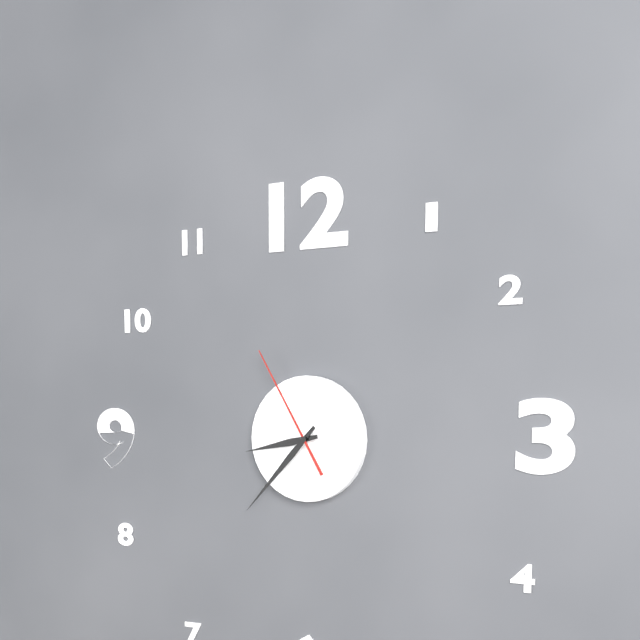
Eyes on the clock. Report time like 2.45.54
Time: 8.37.55
